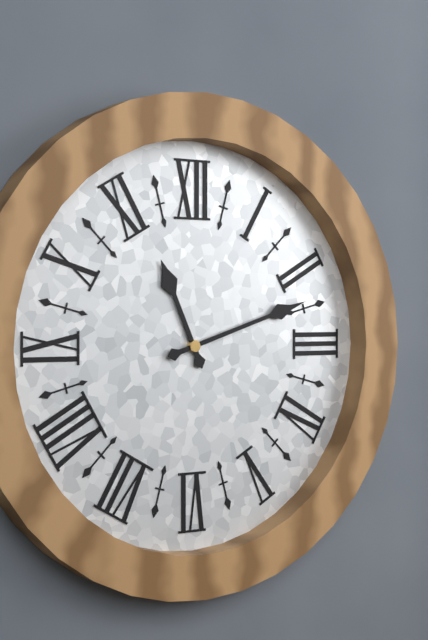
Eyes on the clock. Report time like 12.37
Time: 11.12
